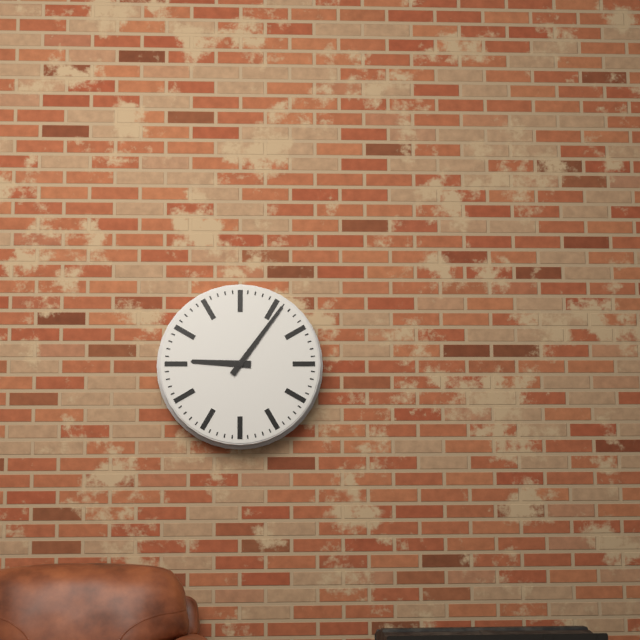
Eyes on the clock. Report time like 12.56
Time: 9.06
